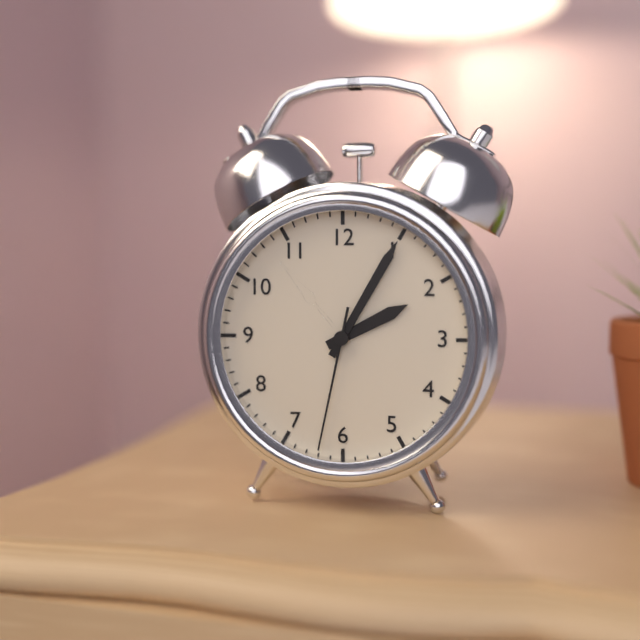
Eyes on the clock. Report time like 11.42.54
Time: 2.05.32
